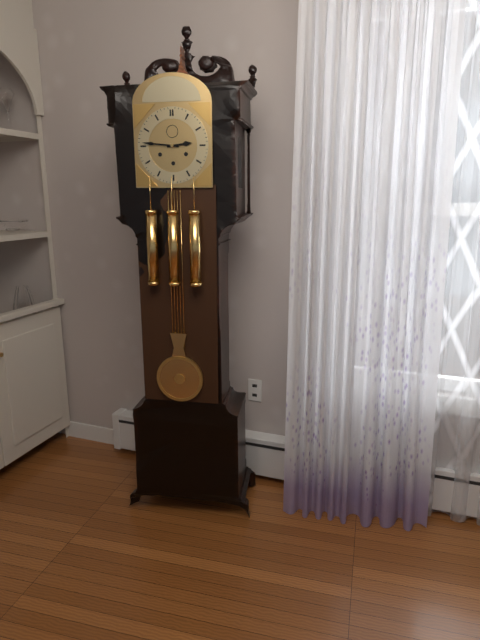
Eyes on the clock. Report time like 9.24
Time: 2.46
